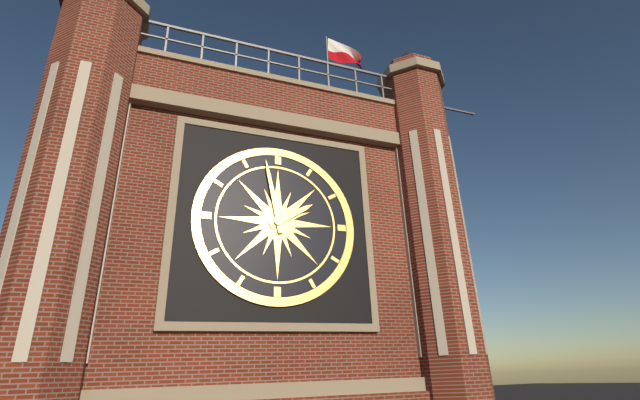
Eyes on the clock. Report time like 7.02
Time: 1.58
